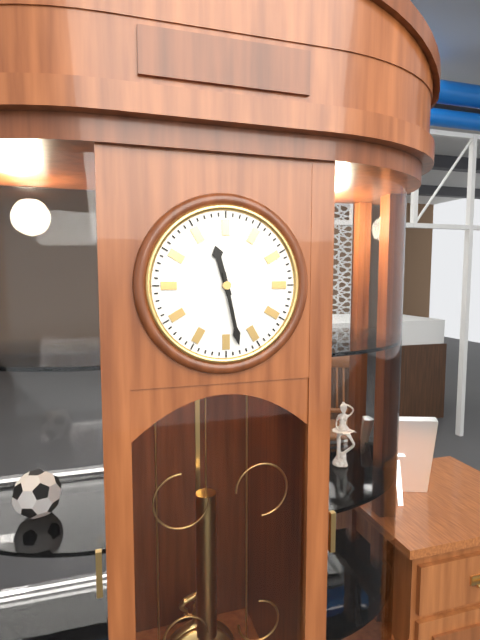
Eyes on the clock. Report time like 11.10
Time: 11.28
